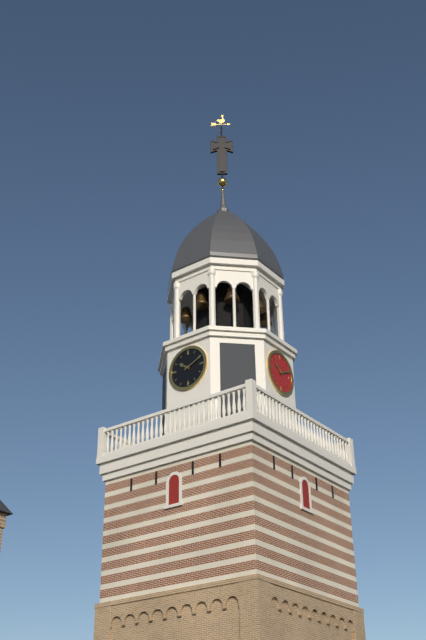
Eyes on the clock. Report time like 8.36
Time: 10.11
